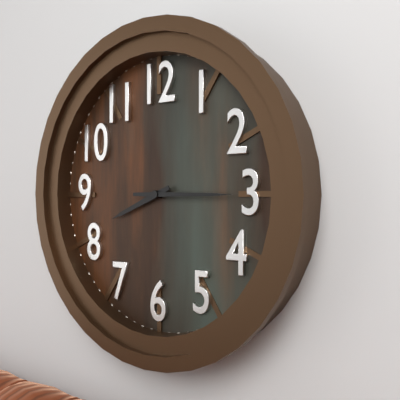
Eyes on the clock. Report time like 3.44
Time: 8.15
